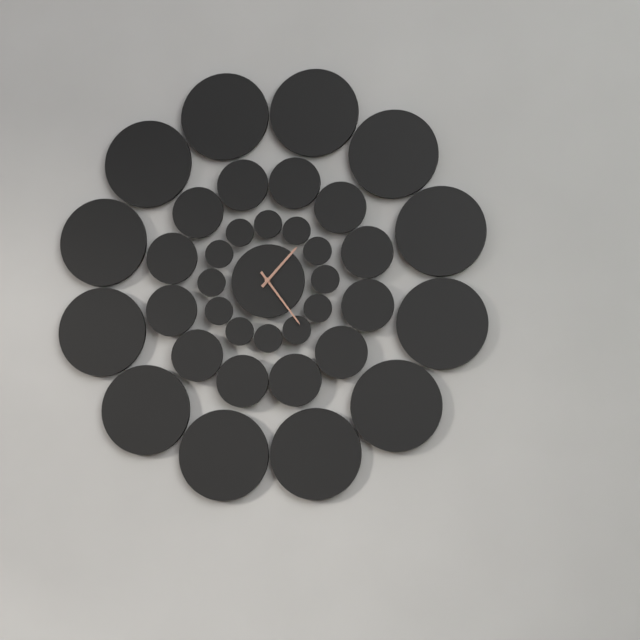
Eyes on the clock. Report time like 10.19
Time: 1.24
